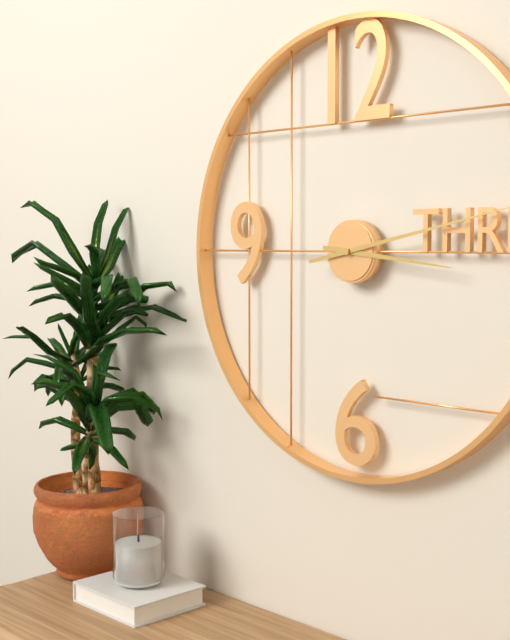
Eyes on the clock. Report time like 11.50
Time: 3.13
